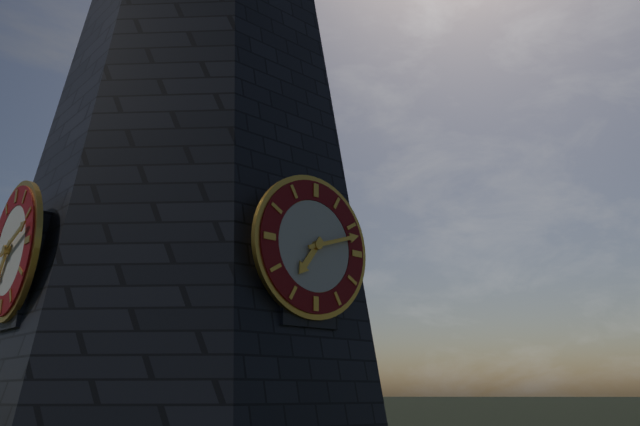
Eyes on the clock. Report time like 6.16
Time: 7.12
